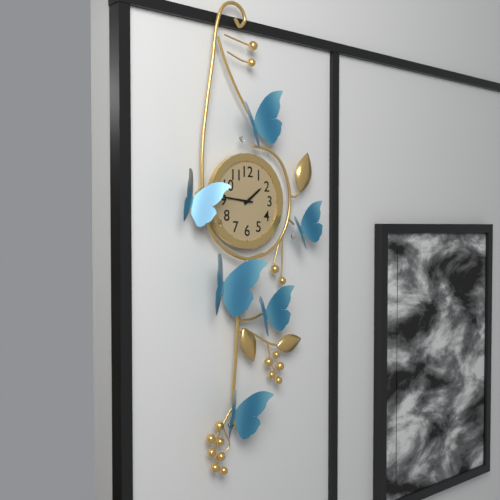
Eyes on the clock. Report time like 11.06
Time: 1.46
